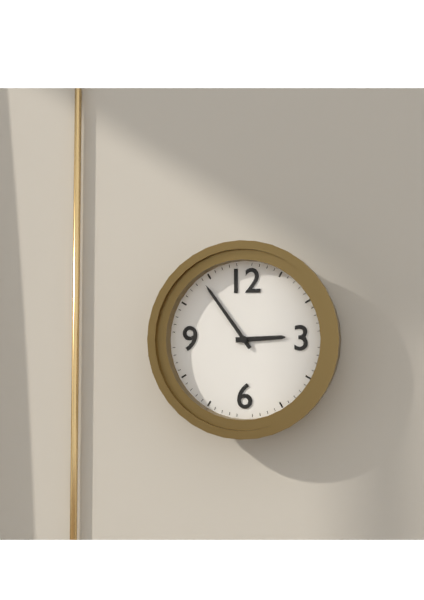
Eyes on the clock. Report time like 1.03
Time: 2.54
